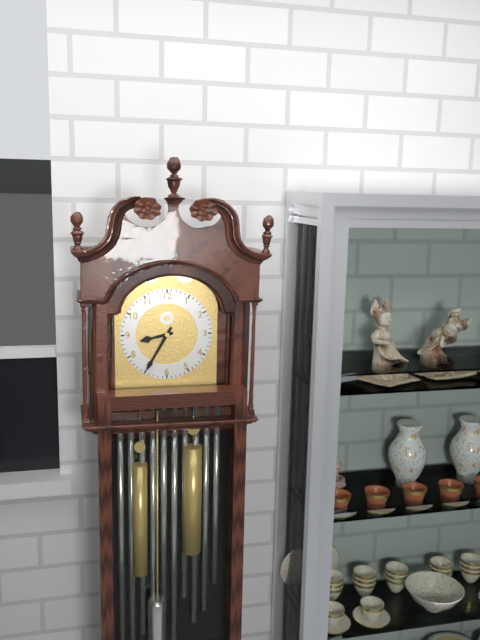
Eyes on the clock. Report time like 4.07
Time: 8.35
